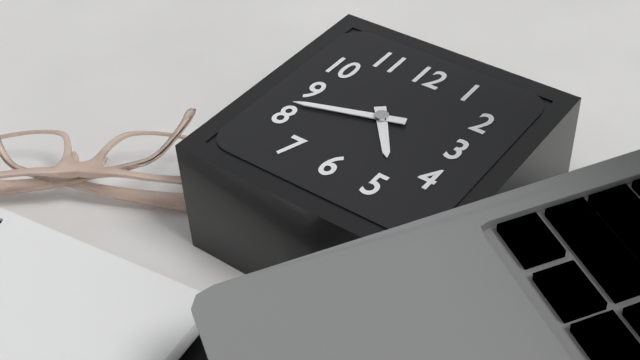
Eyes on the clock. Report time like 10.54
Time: 4.42
